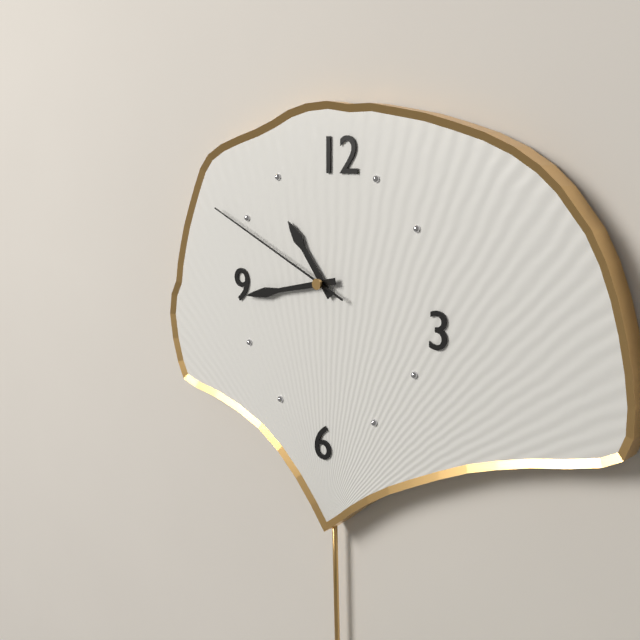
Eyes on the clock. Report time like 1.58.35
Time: 10.43.49
